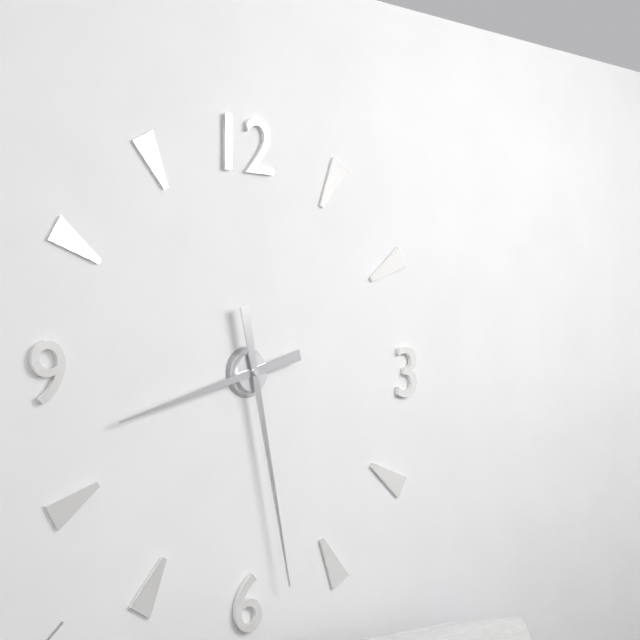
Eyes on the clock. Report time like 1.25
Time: 8.28
